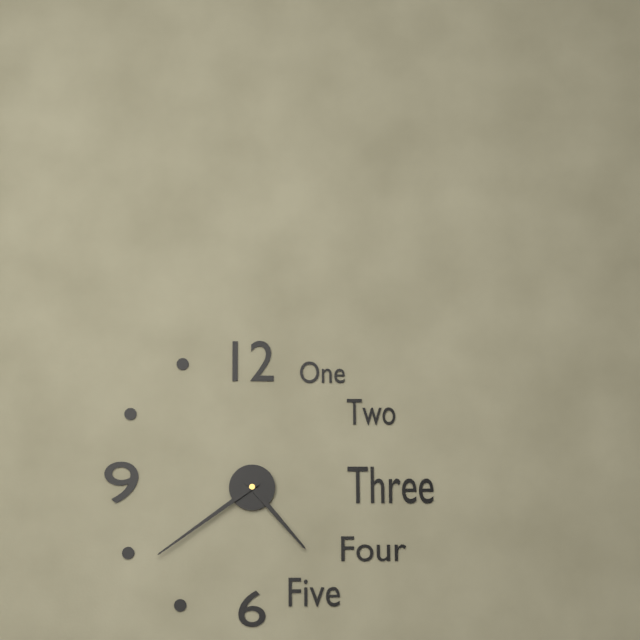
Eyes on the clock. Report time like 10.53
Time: 4.39
